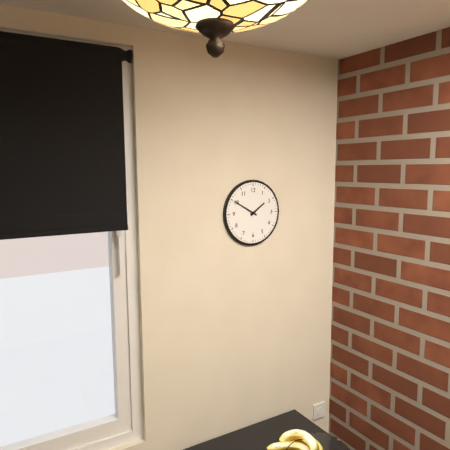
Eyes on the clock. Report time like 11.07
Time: 1.50
